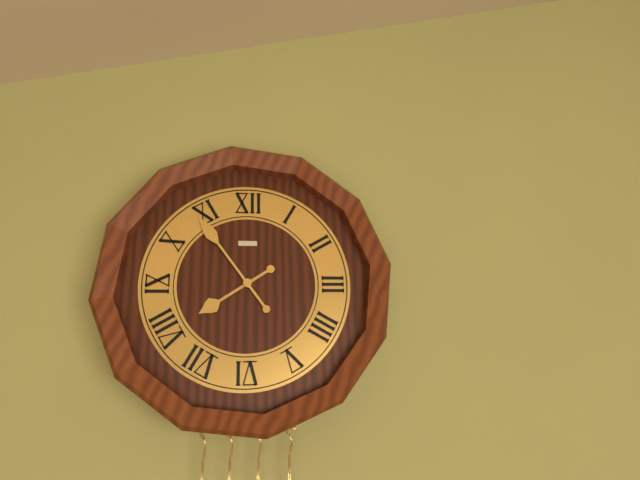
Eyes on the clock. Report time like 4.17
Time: 7.54
